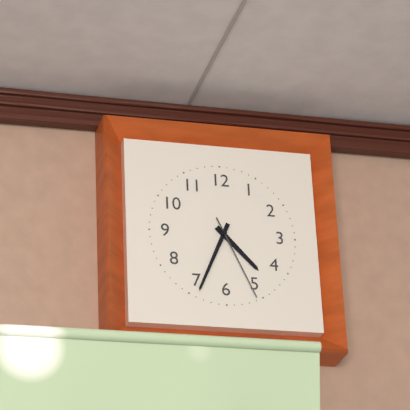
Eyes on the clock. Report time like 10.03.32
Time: 4.34.26
